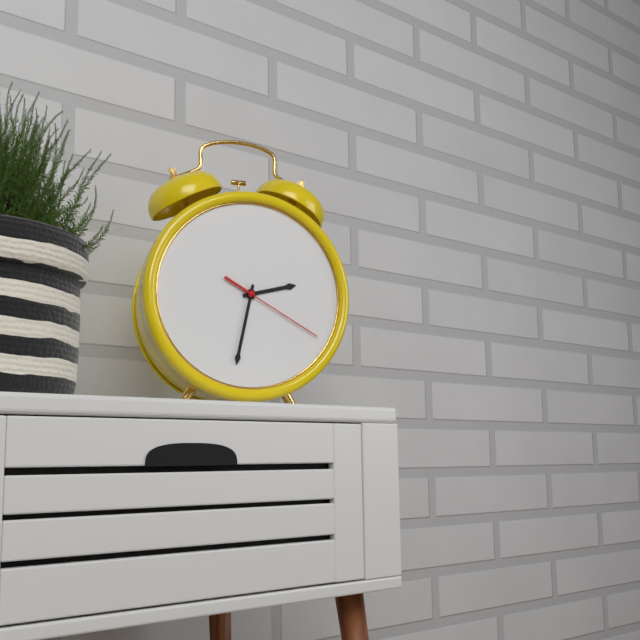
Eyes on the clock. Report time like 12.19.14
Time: 2.32.20
